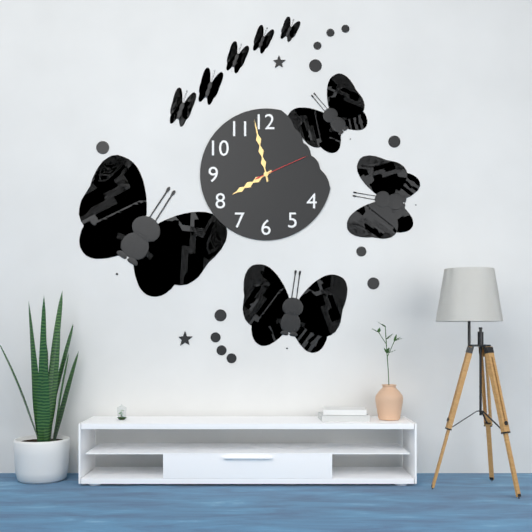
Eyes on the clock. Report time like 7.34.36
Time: 7.58.11
